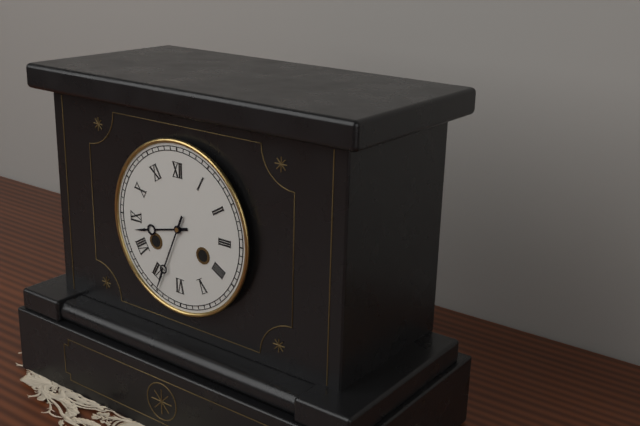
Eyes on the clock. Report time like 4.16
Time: 8.34
